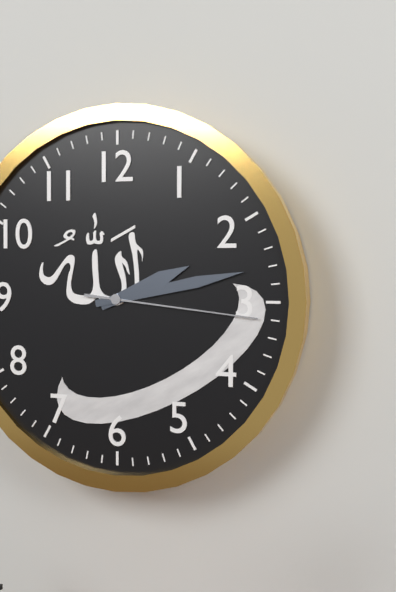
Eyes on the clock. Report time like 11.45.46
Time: 2.13.16
